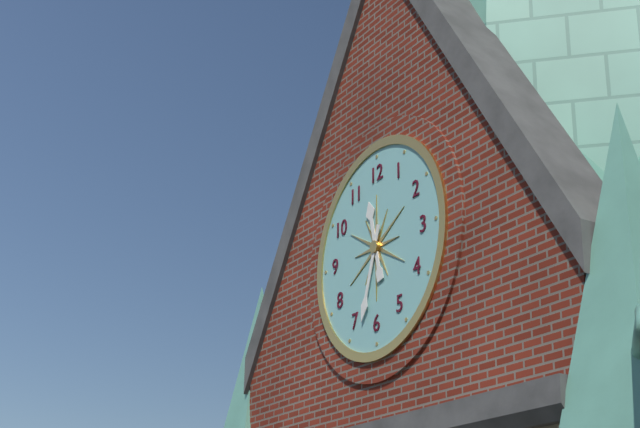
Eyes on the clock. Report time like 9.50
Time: 11.33
